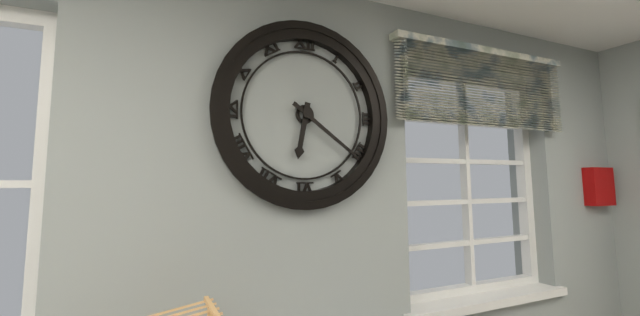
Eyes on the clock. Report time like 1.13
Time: 6.21
